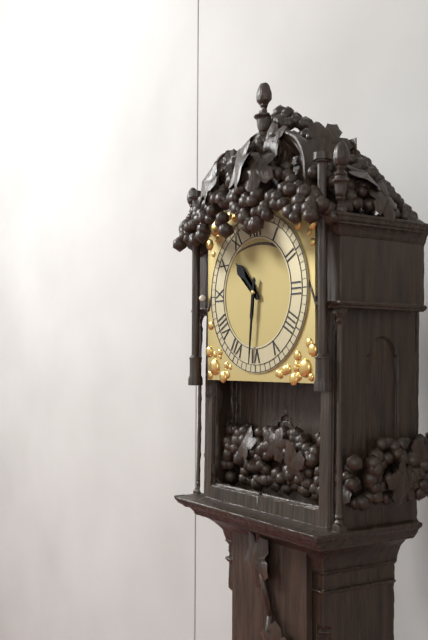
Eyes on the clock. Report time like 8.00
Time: 10.31
